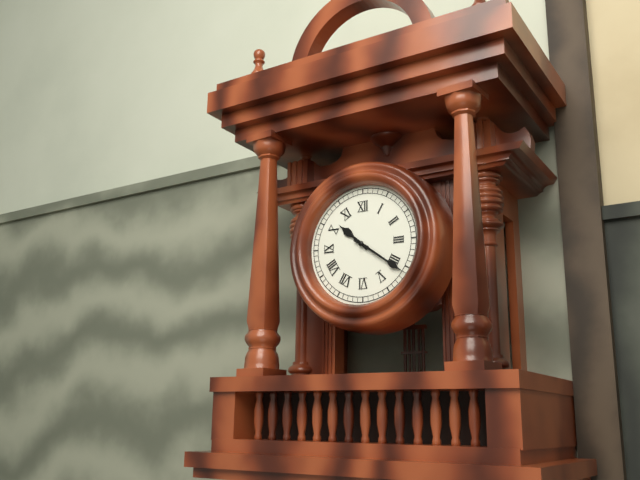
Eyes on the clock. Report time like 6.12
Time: 10.21
